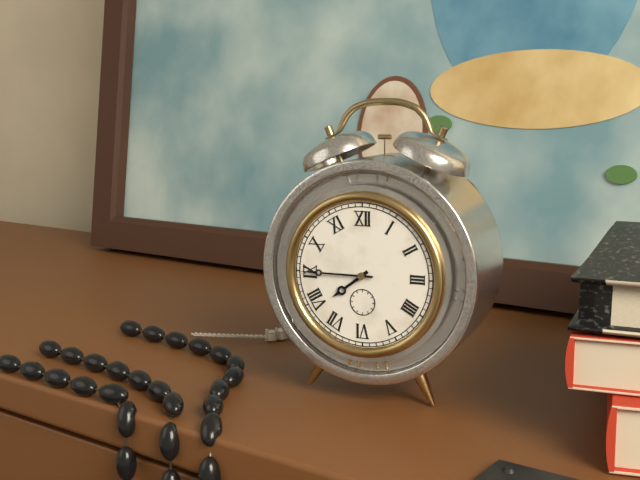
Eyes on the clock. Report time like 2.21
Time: 7.45
